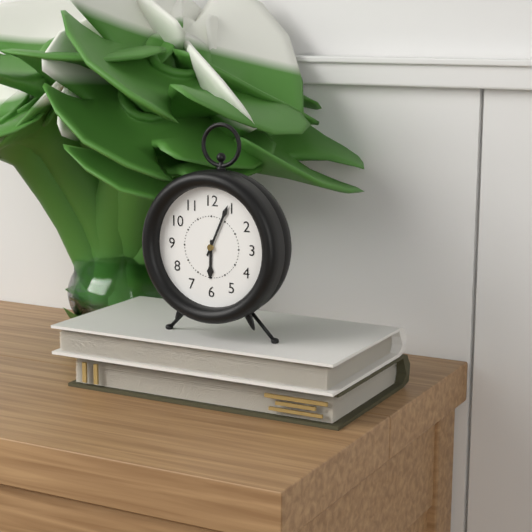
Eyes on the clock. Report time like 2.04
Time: 6.04
